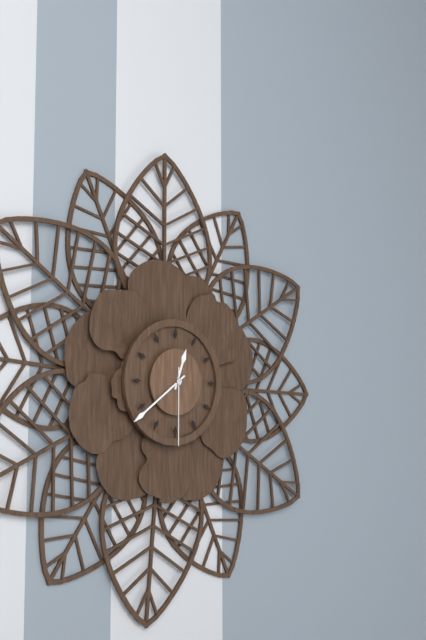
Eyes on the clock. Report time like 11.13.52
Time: 12.39.30
